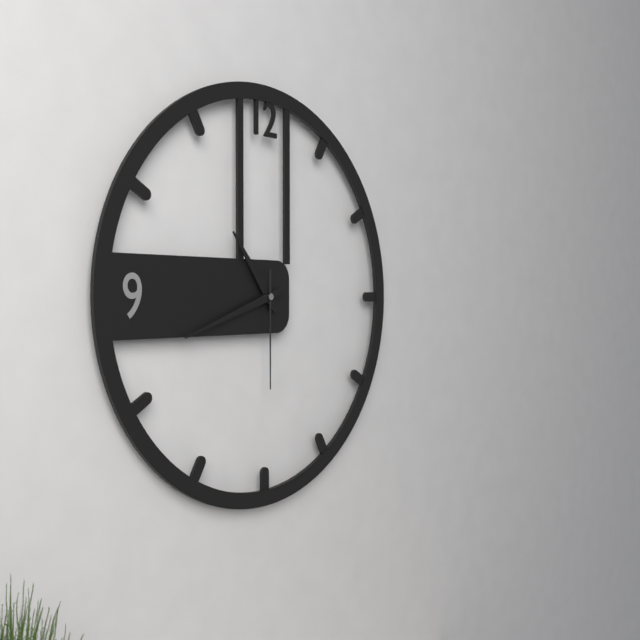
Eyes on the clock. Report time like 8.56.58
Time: 10.42.30
